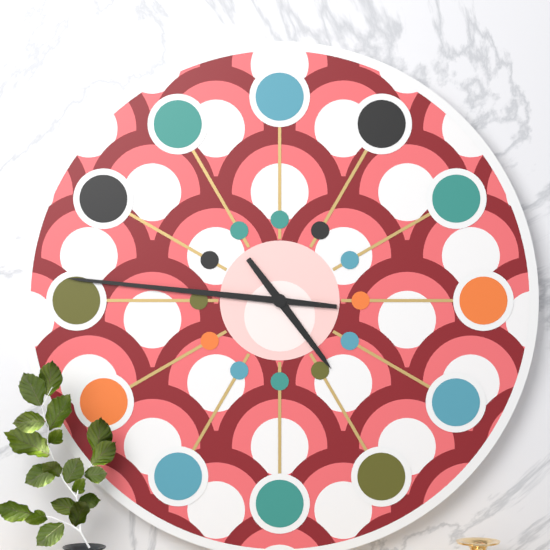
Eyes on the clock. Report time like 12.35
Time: 4.46
